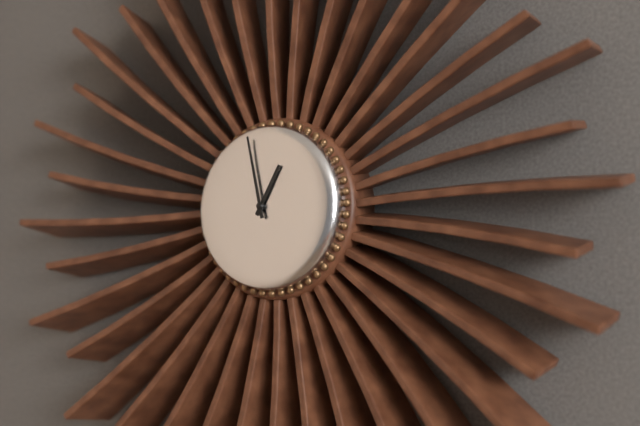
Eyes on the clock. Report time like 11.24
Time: 12.58
